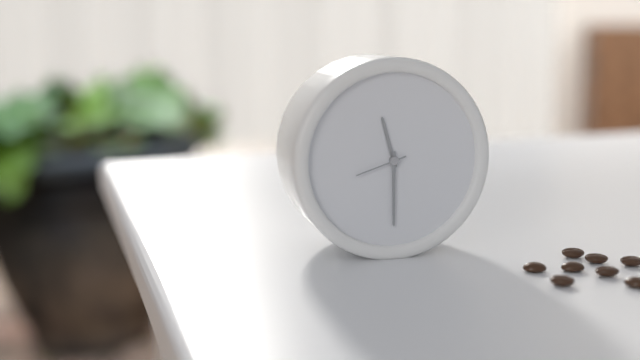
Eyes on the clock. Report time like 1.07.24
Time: 11.30.42
